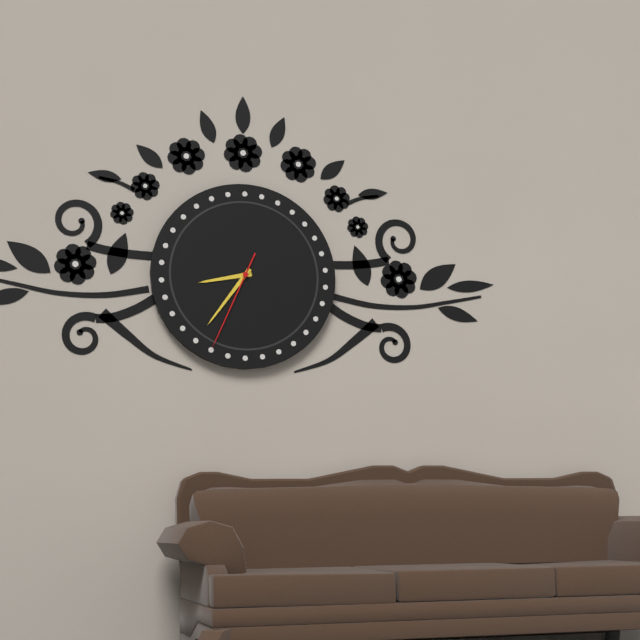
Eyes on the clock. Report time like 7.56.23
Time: 8.36.34
